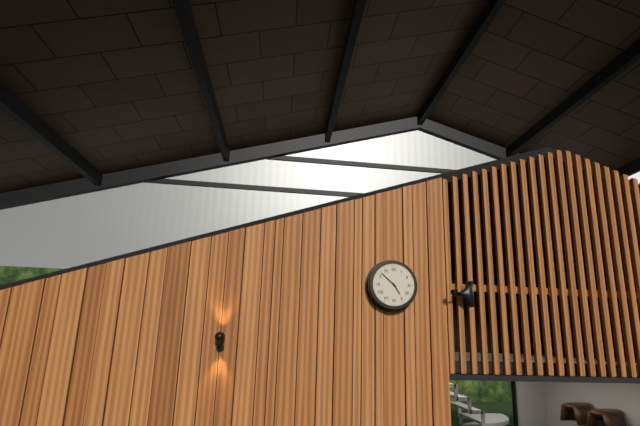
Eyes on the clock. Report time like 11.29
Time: 4.52
